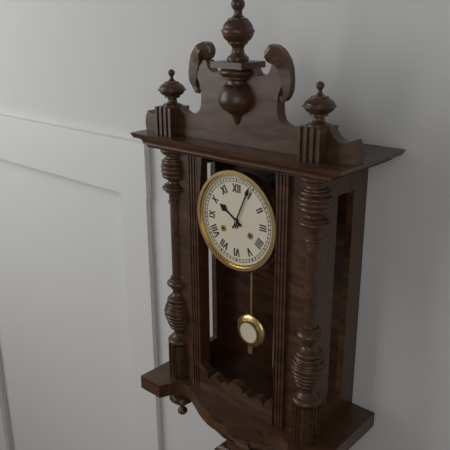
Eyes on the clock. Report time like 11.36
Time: 10.04
